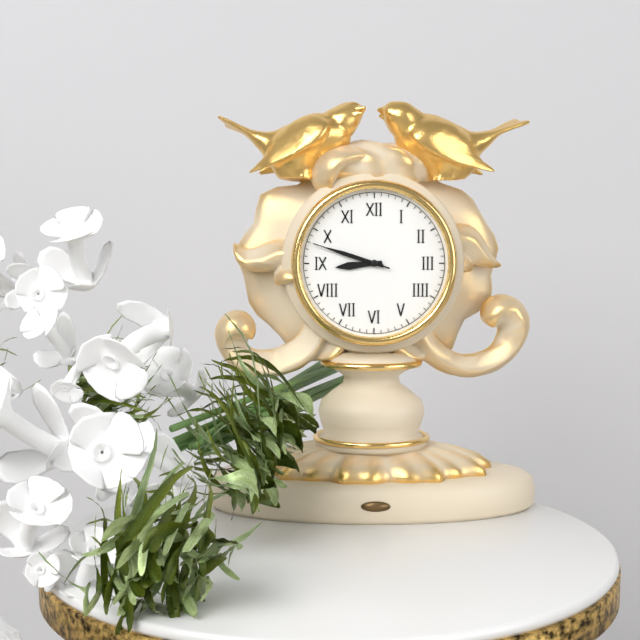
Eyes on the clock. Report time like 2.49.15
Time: 8.48.48
